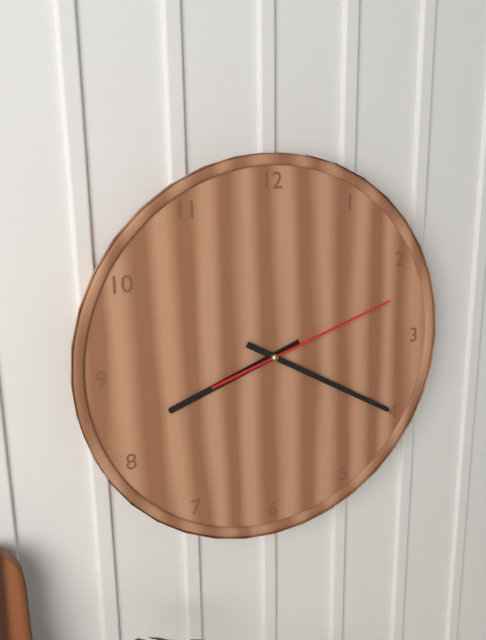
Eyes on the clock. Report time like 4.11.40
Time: 8.20.12
